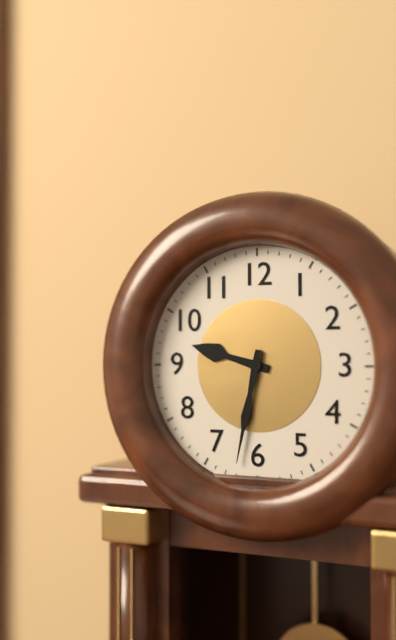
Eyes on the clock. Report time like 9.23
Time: 9.32
